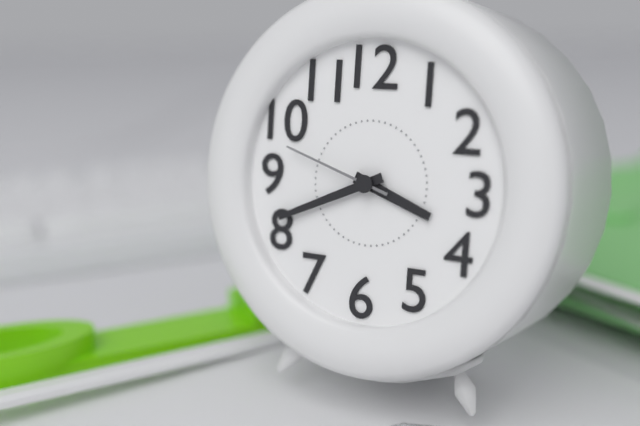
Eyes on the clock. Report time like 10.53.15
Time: 3.41.48
